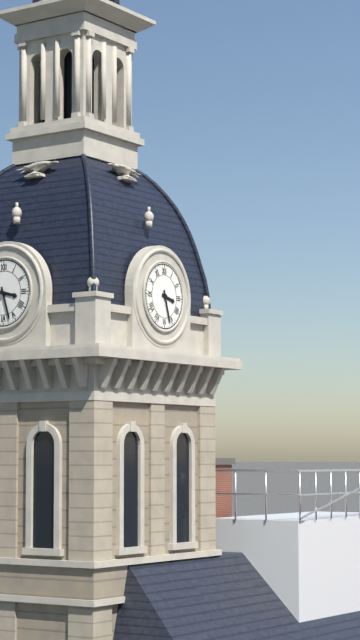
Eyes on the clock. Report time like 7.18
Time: 3.27
